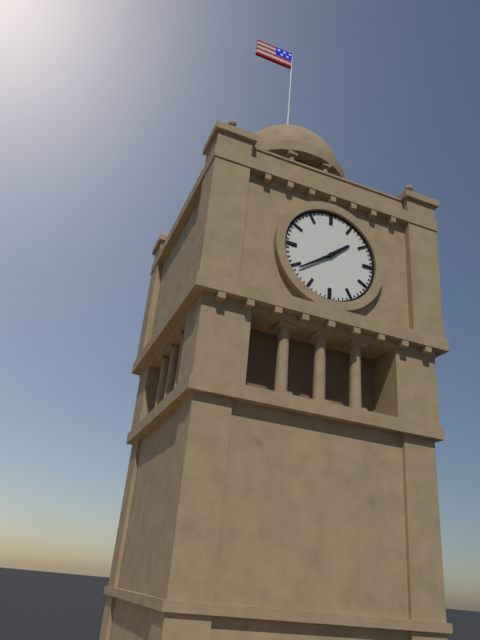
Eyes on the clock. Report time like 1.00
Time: 1.39
